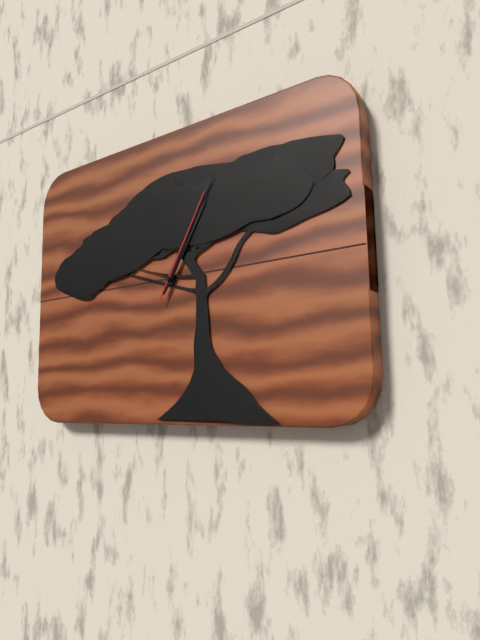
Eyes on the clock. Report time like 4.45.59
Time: 1.05.05
